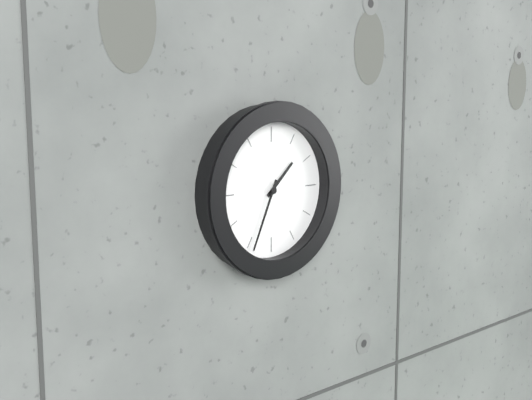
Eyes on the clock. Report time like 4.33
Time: 1.34
